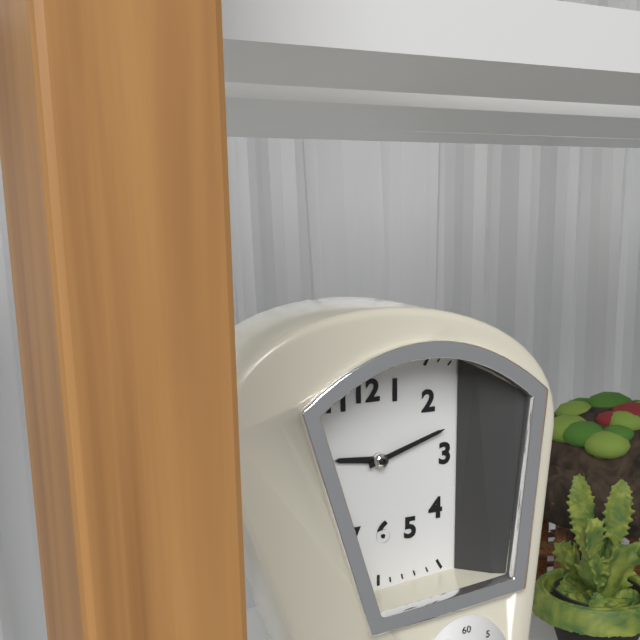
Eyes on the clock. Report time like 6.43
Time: 9.12
